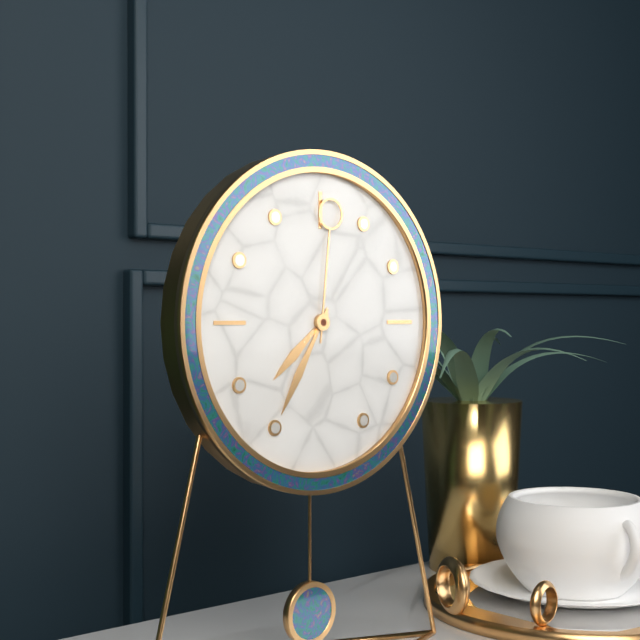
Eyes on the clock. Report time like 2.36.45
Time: 7.35.01
